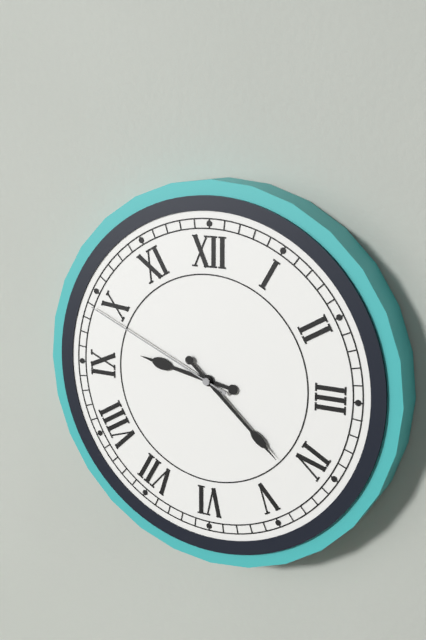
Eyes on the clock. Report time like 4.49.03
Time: 9.22.49
